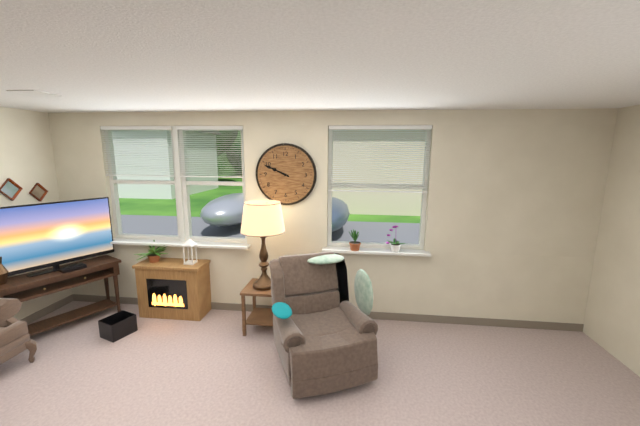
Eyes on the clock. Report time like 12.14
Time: 9.49
